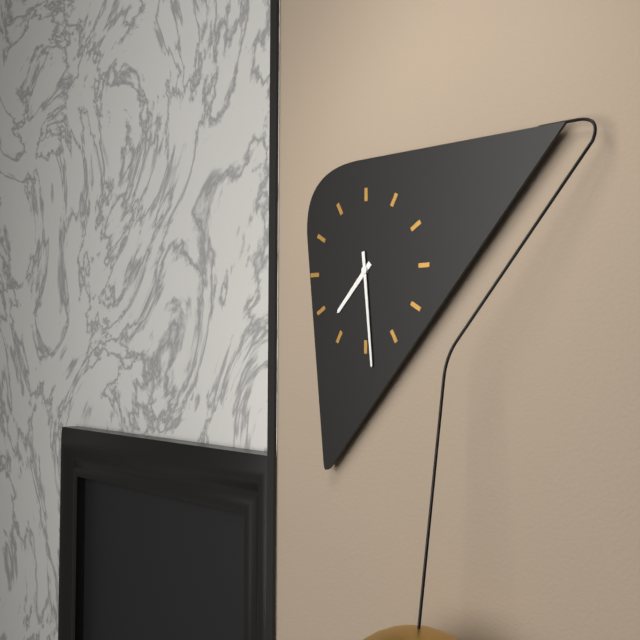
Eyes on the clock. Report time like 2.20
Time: 7.29
